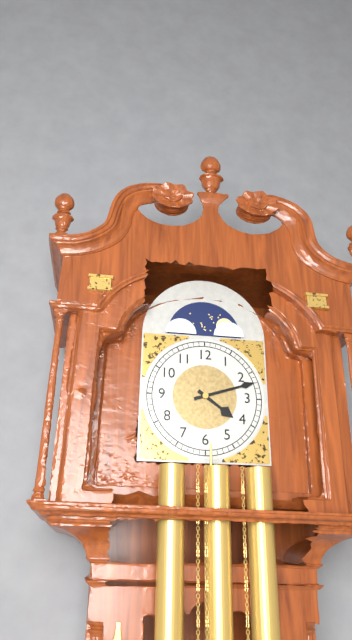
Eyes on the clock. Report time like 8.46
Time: 4.12
